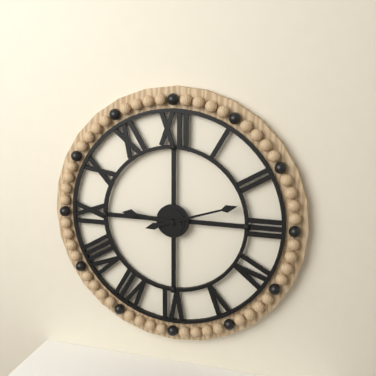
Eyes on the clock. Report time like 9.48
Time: 9.12
